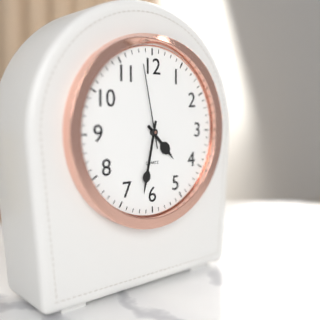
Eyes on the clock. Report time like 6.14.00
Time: 4.32.58
